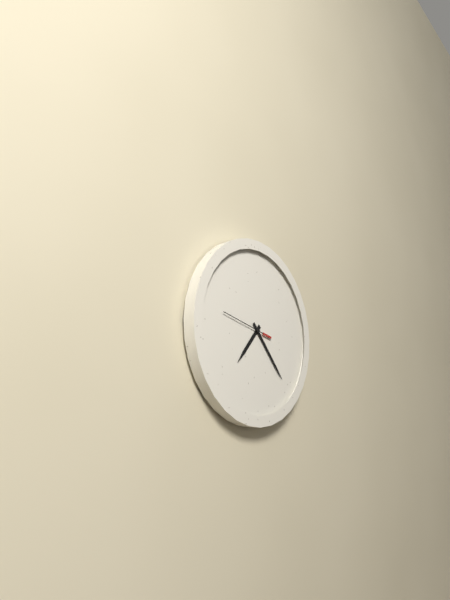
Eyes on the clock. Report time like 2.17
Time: 7.23
